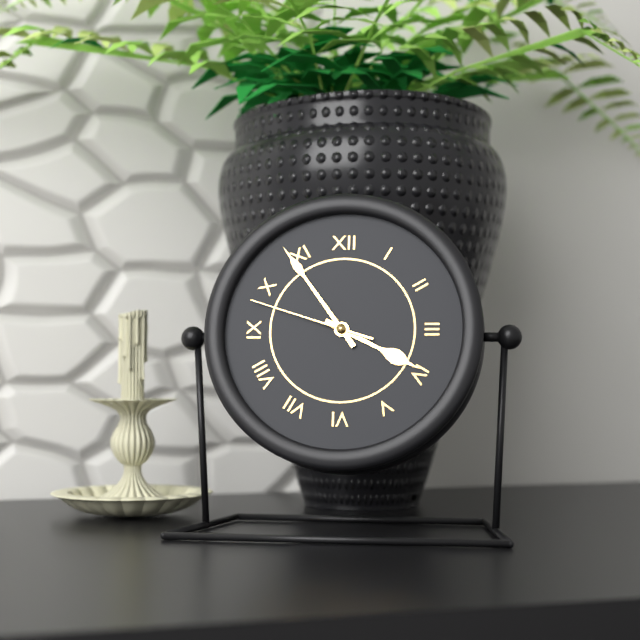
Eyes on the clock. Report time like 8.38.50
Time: 3.54.48
